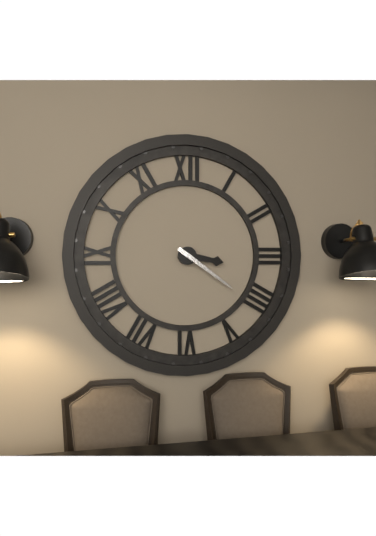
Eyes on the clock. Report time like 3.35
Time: 3.21
